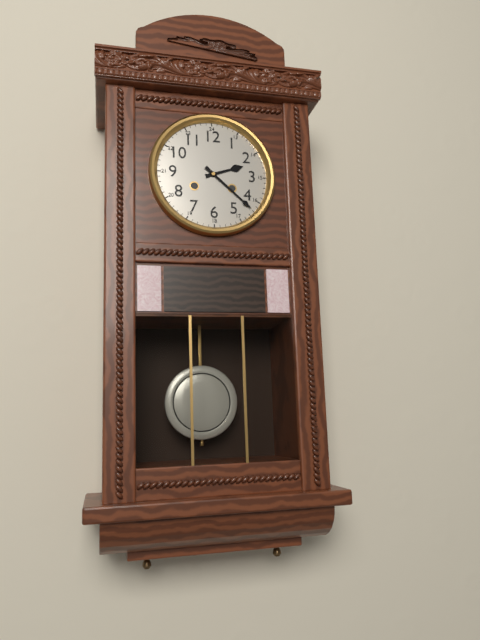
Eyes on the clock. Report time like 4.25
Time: 2.22
